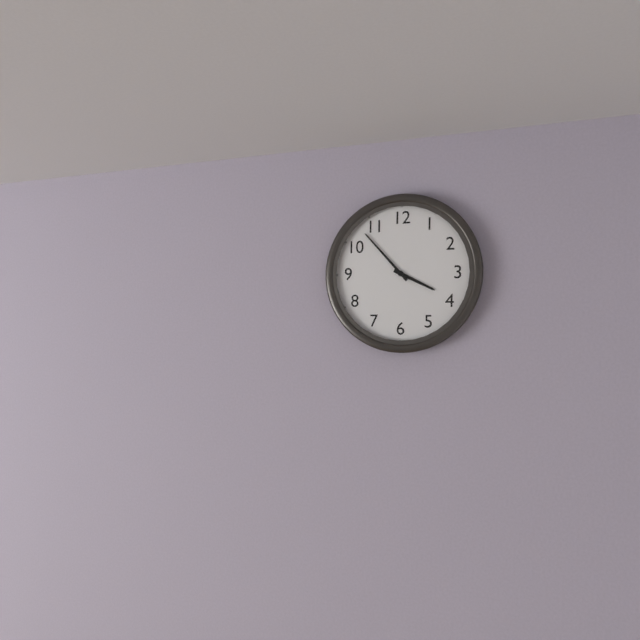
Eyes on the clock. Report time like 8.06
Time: 3.53
